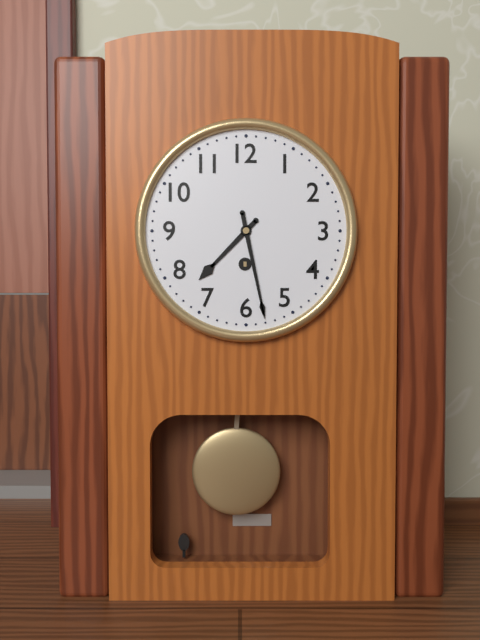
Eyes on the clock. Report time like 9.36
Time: 7.28
